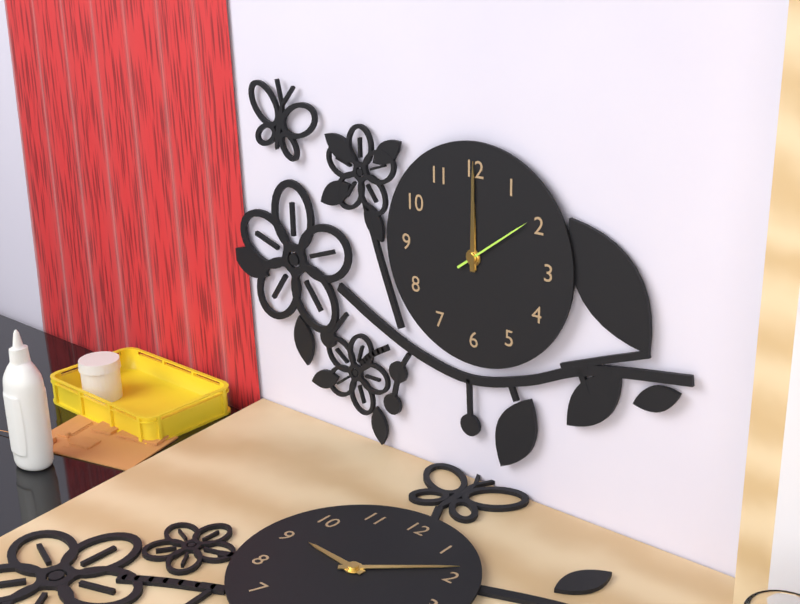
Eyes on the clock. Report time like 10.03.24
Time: 12.00.09
